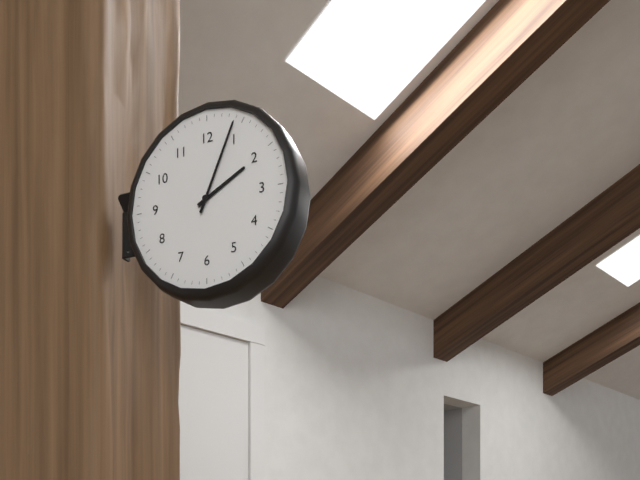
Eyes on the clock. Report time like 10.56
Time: 2.04
